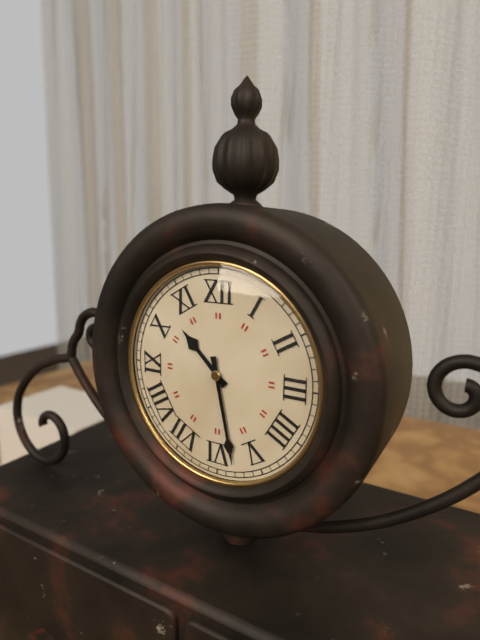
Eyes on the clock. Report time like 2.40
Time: 10.28
